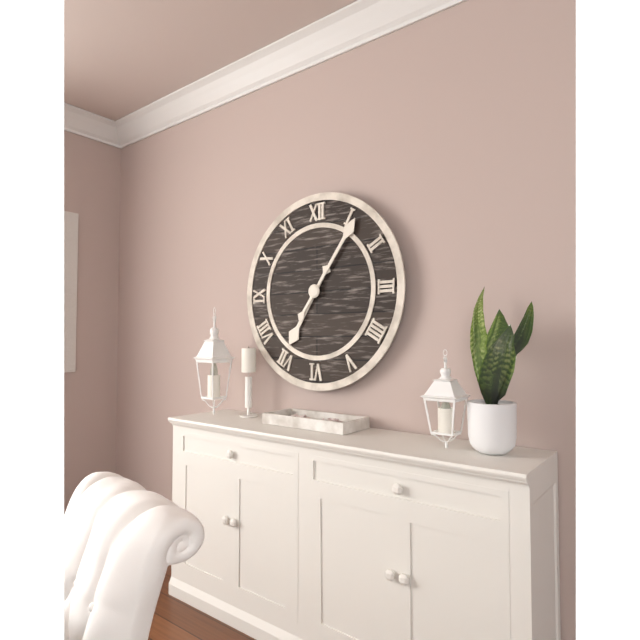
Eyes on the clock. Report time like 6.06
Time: 7.06
